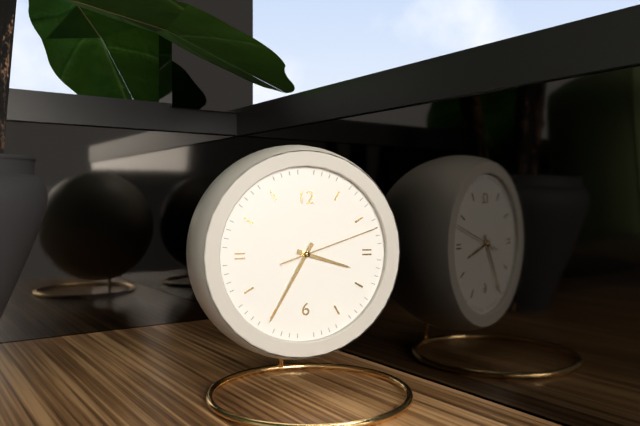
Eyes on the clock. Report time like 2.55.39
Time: 3.35.12
